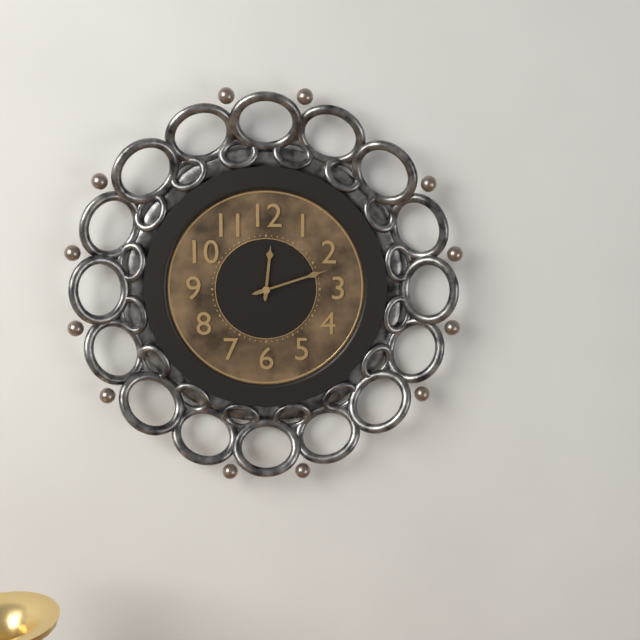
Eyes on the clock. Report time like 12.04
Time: 12.12
